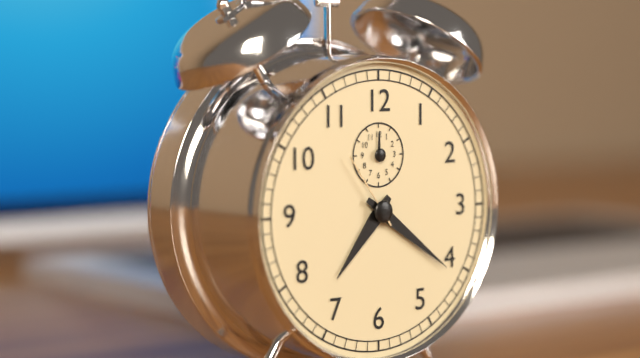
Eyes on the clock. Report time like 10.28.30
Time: 7.21.54
